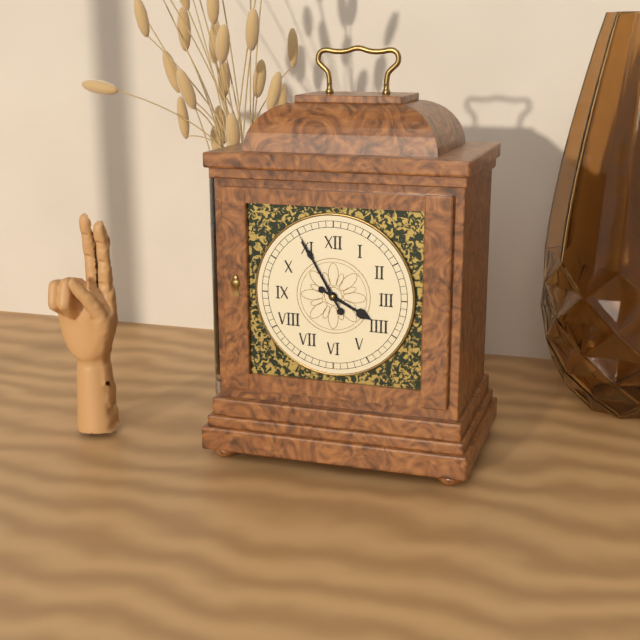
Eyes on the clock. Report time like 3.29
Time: 3.55
